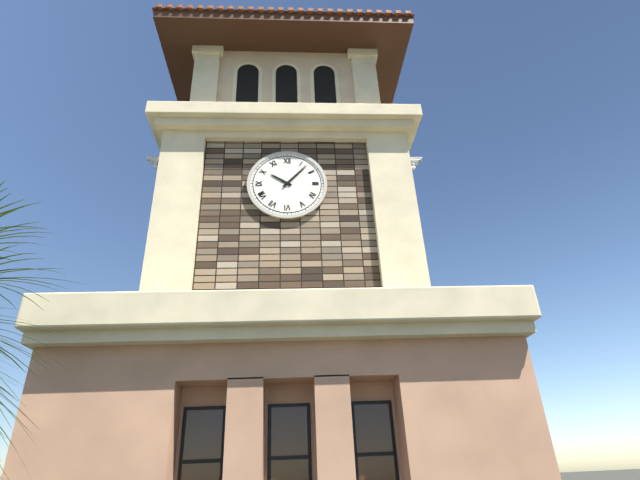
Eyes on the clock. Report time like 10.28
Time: 10.07
